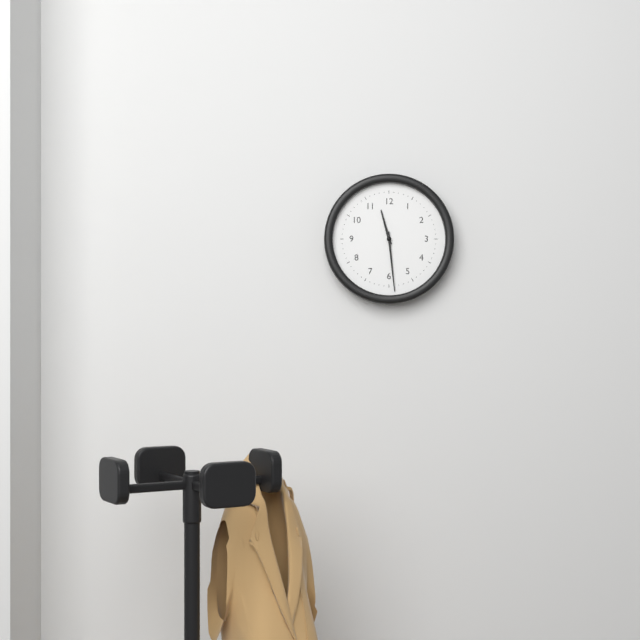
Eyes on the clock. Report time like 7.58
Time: 11.29
